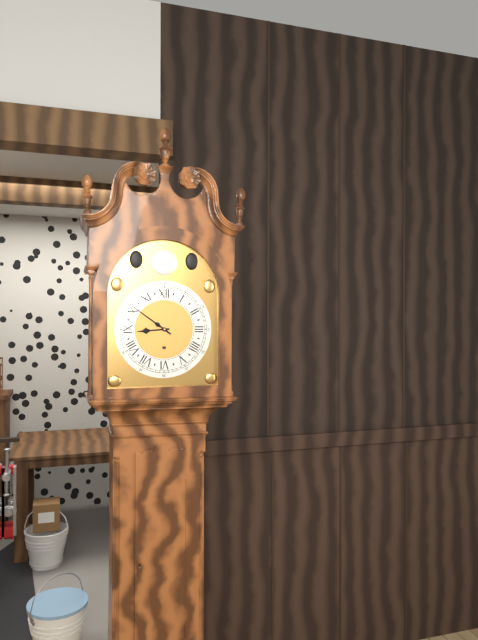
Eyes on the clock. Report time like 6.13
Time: 8.51
